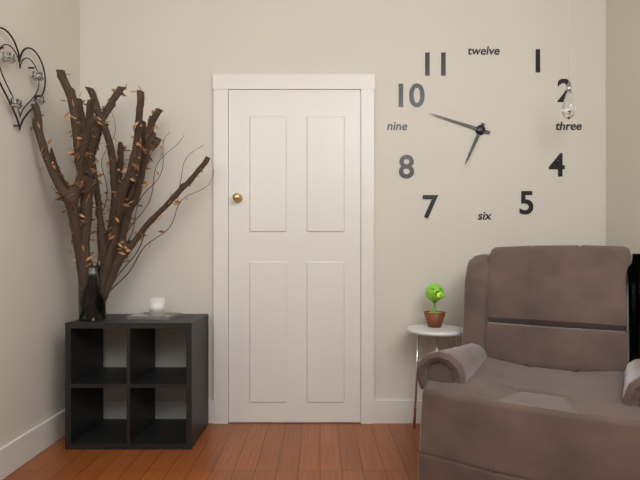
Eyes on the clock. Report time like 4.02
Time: 6.48
